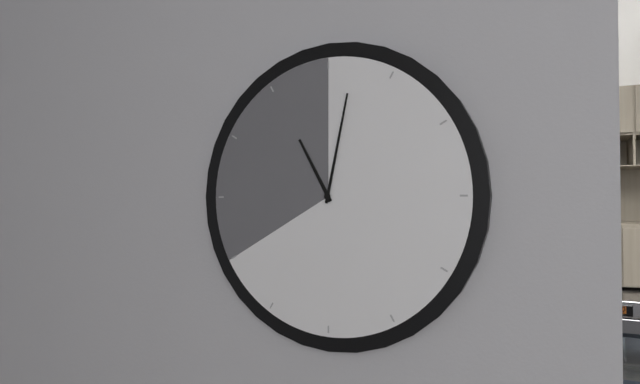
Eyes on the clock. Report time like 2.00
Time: 11.02
